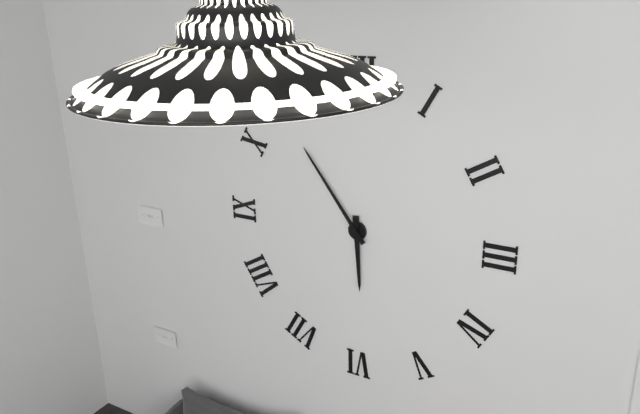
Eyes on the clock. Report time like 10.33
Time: 5.54
